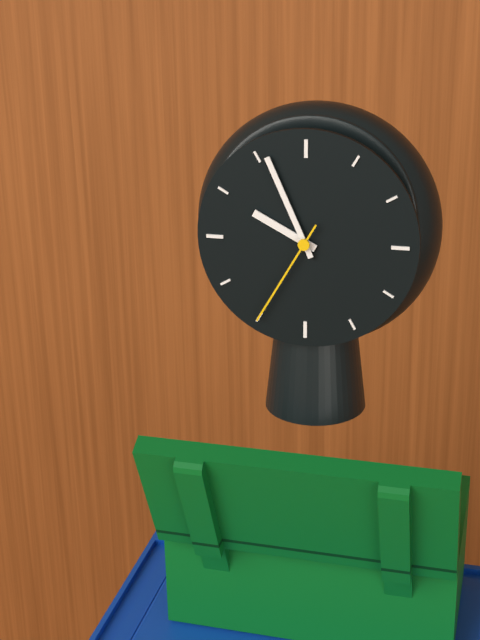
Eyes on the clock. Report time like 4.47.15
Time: 9.56.35
